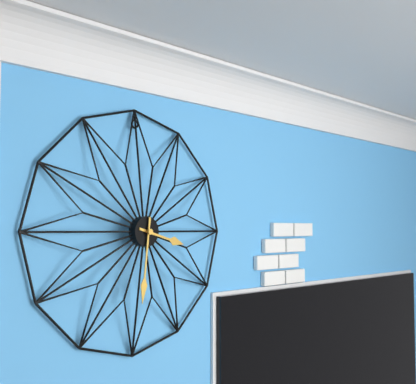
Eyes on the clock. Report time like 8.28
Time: 3.31
